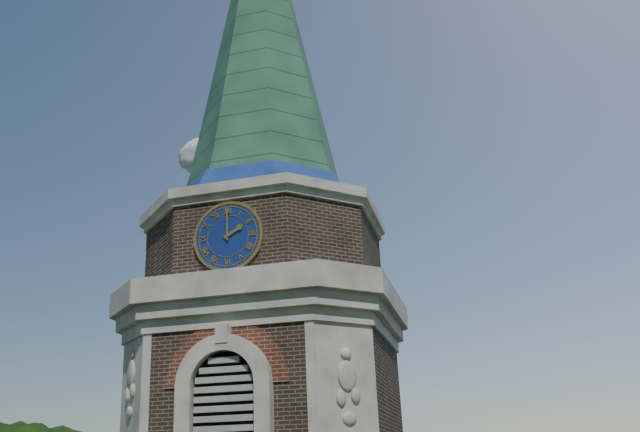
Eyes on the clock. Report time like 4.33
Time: 2.00
